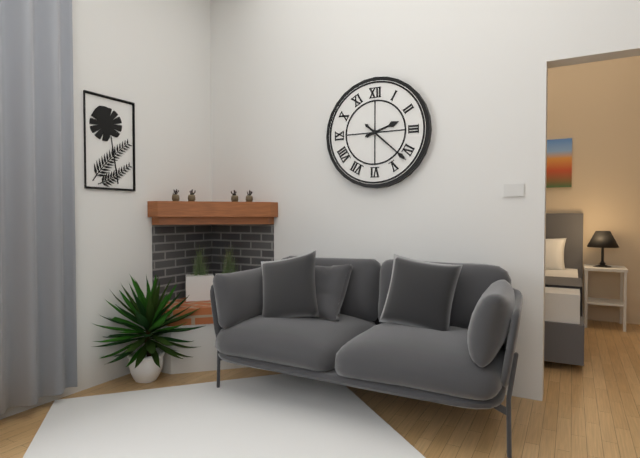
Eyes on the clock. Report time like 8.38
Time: 2.22
